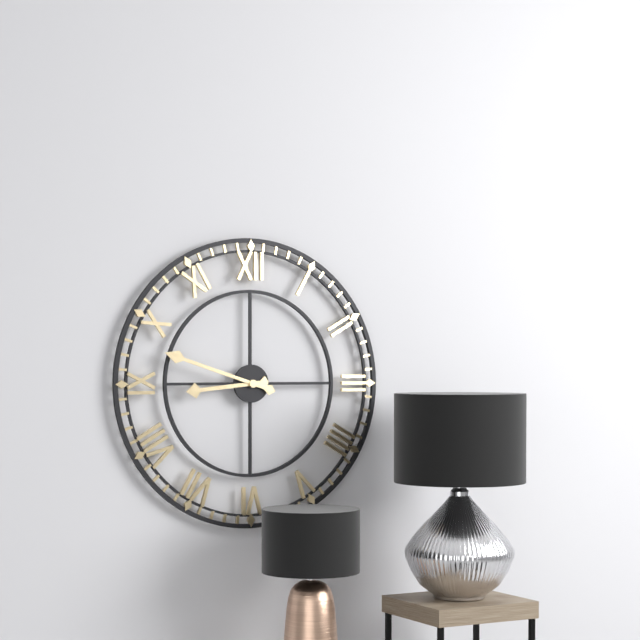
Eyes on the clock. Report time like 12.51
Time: 8.48
